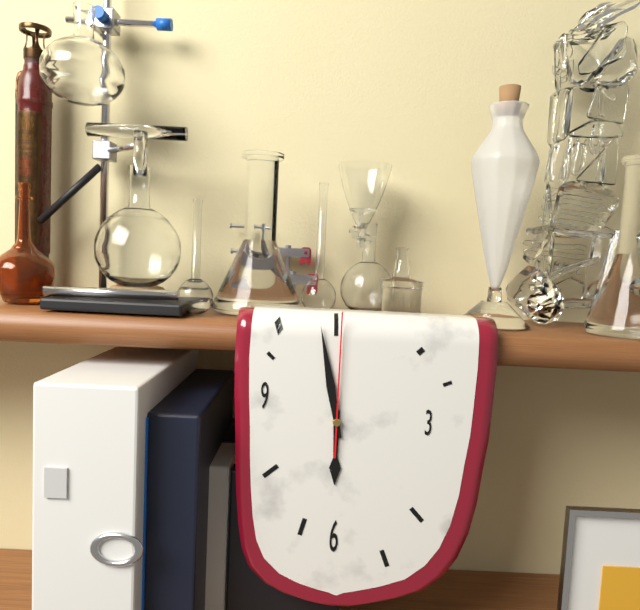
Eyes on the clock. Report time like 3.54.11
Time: 5.58.00
